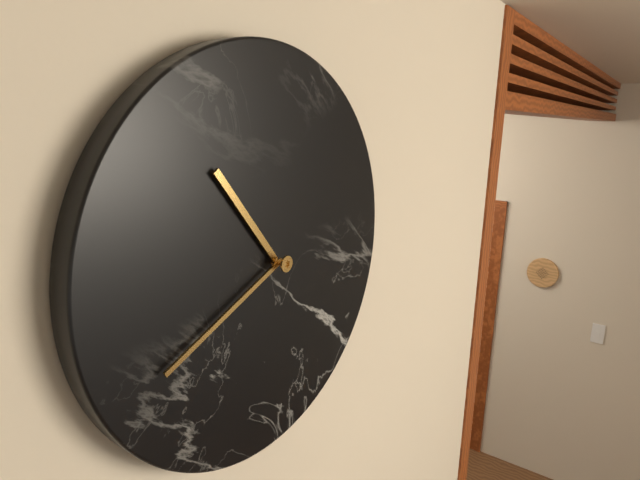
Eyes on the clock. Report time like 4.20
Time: 10.41
